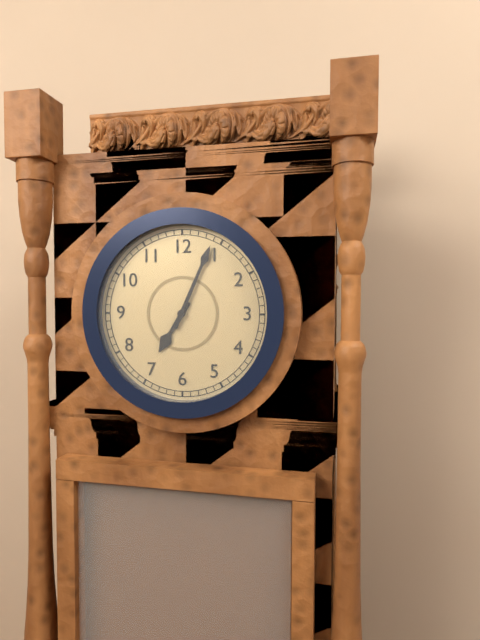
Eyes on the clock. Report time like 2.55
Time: 7.04
